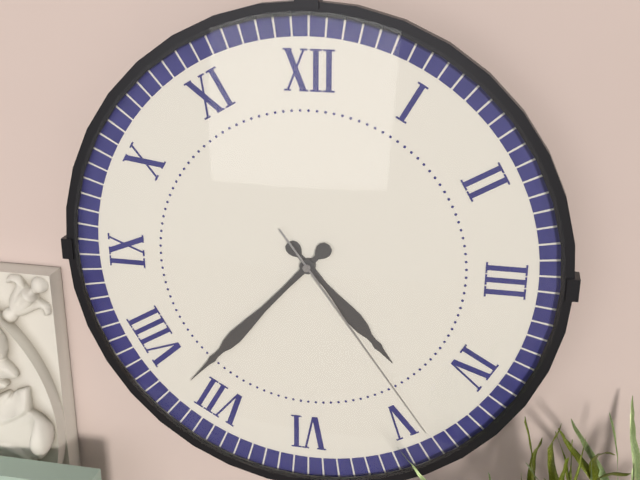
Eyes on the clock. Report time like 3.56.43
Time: 4.37.24
